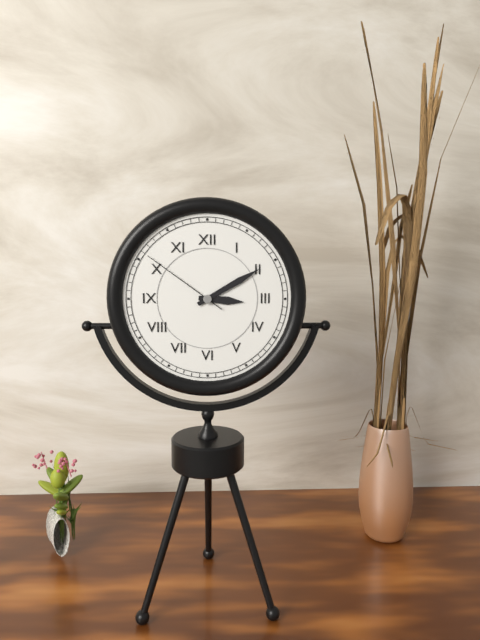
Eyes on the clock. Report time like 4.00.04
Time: 3.10.51
